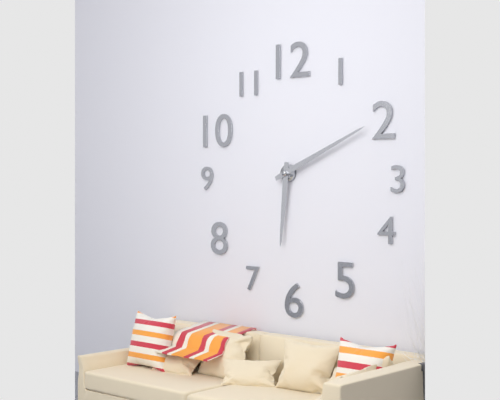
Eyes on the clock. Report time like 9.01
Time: 6.11
